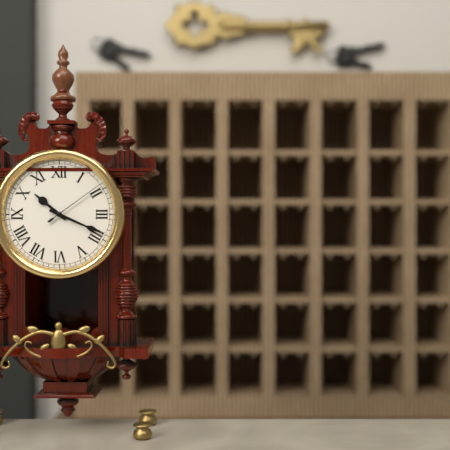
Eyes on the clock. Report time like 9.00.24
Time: 10.19.09
